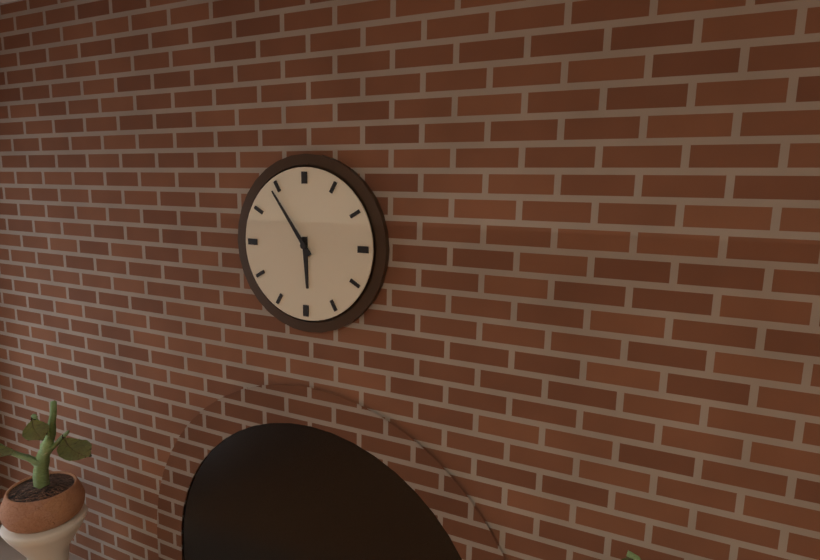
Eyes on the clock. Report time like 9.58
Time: 5.54
